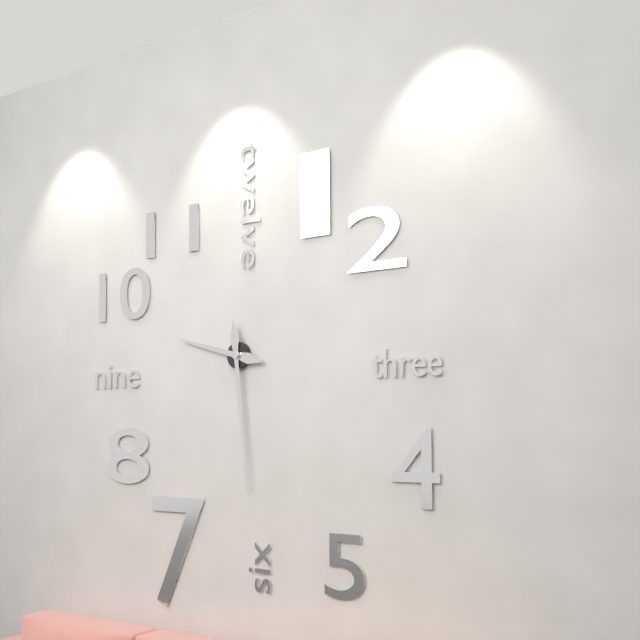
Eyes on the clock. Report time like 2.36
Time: 9.29
